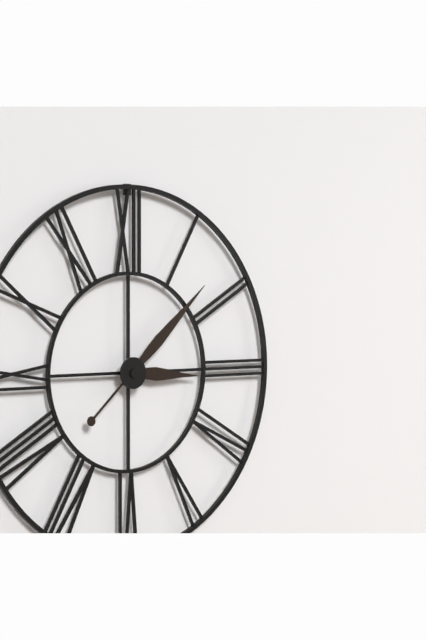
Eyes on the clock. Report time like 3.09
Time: 3.08
